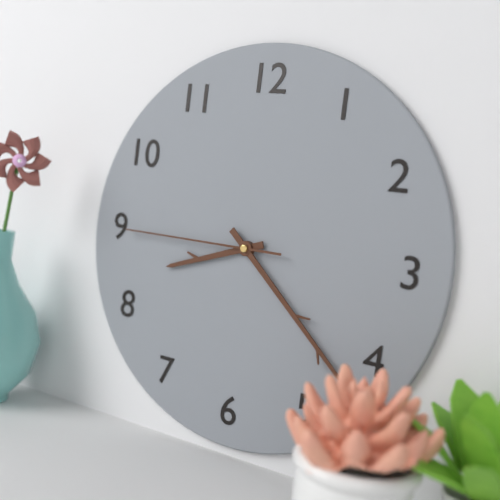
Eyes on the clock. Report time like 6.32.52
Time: 8.22.45
